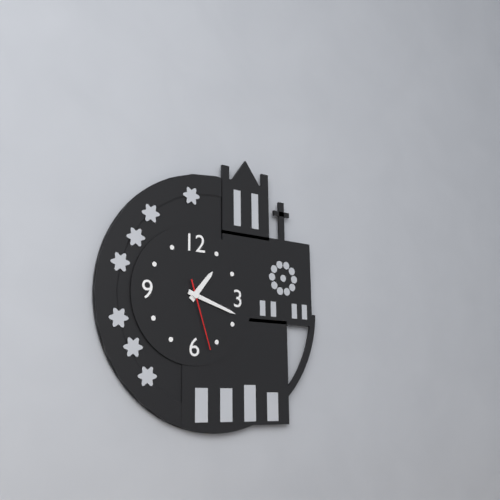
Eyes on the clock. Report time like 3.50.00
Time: 1.18.27
